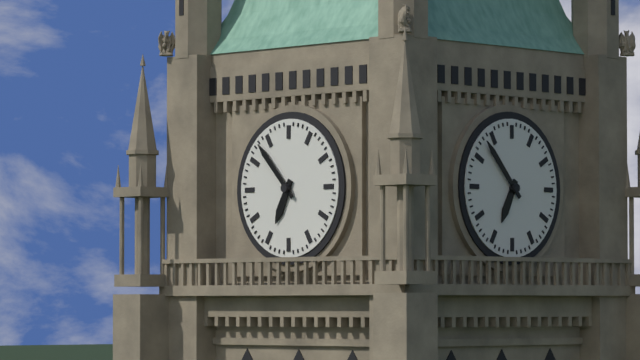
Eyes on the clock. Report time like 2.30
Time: 6.53
